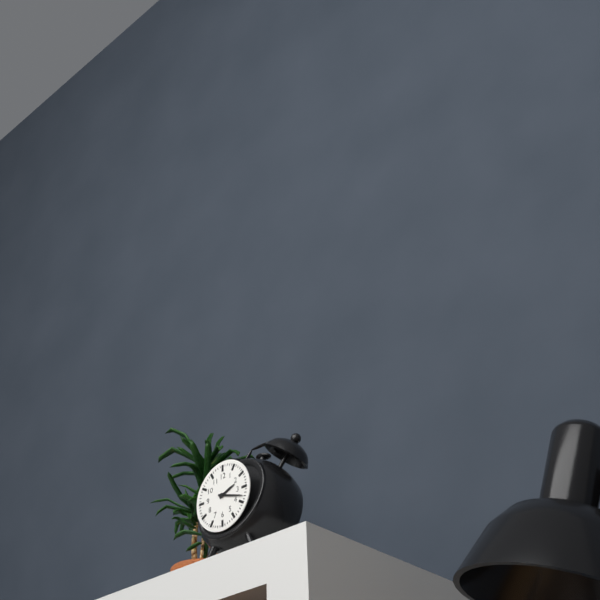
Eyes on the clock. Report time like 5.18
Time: 2.18
